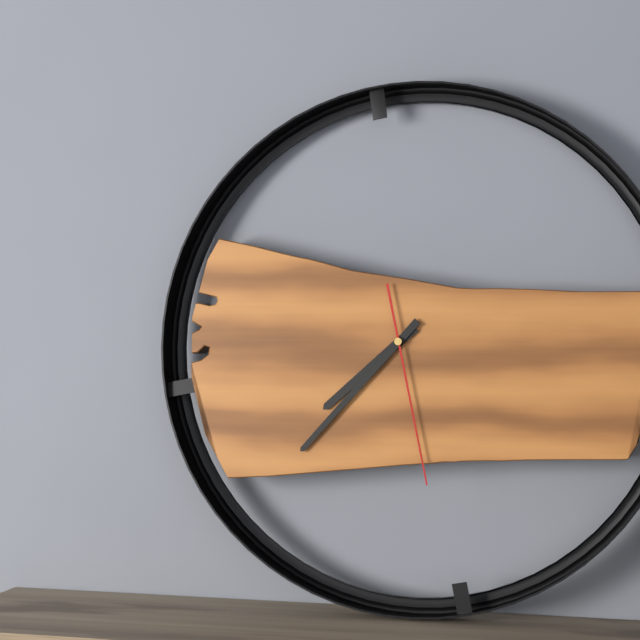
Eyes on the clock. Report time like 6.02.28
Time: 7.37.28
